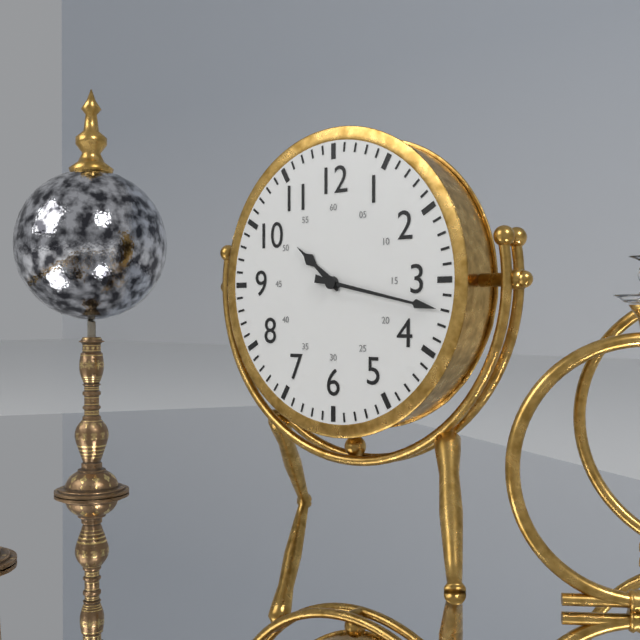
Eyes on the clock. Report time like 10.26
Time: 10.17
